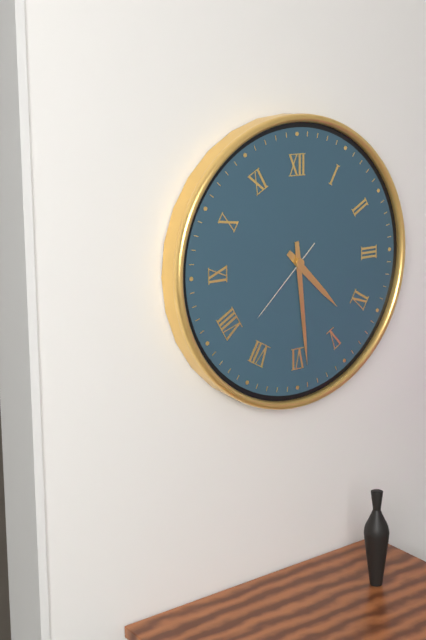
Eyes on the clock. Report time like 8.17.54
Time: 4.29.38
